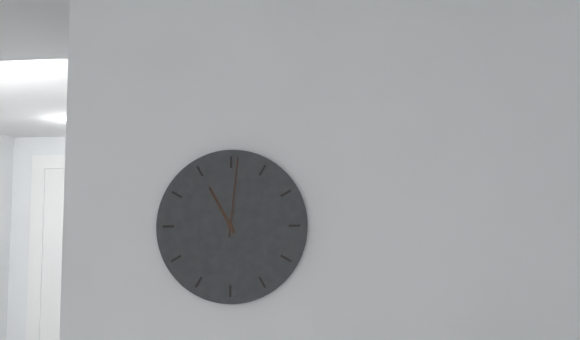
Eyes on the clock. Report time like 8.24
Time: 11.01
